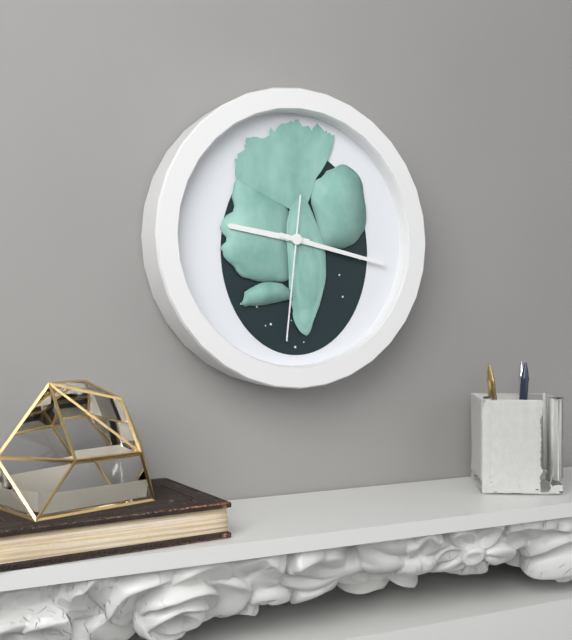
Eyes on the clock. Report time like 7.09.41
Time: 9.17.31
